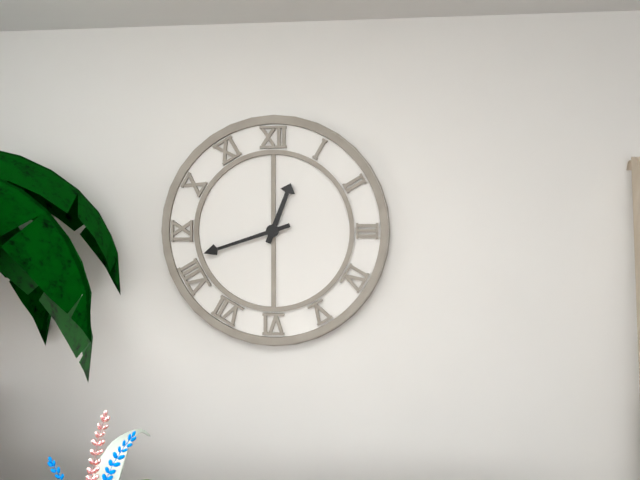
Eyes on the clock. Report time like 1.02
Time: 12.42
